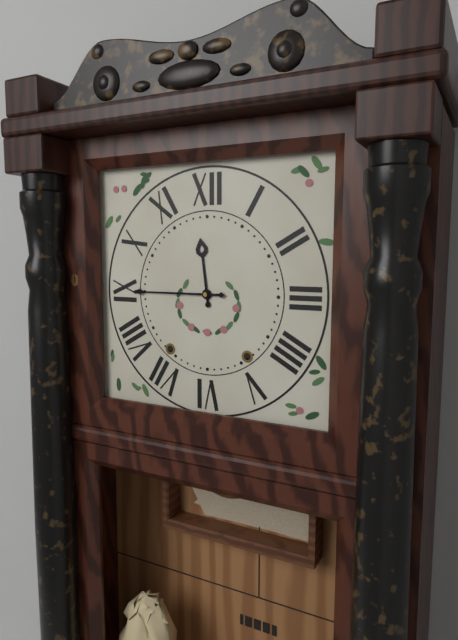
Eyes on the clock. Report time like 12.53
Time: 11.45
